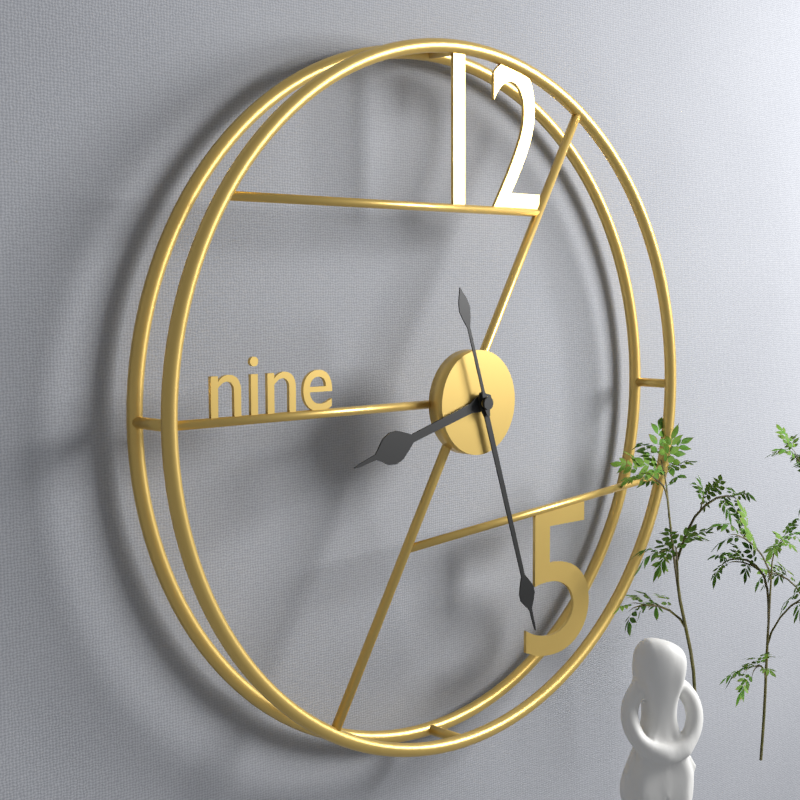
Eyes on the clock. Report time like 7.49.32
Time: 8.27.57
